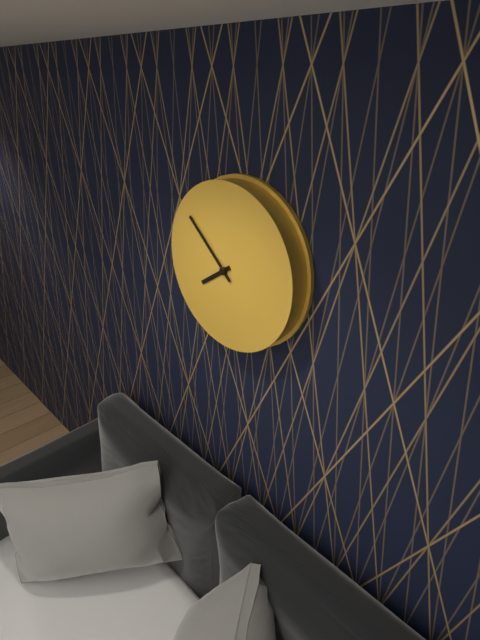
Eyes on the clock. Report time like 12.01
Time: 7.52
